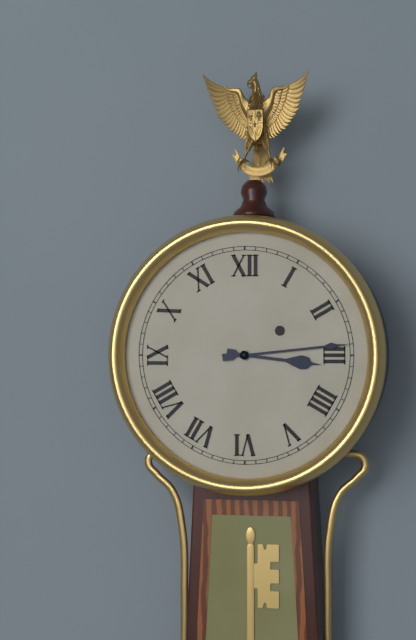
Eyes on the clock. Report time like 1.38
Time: 3.14
